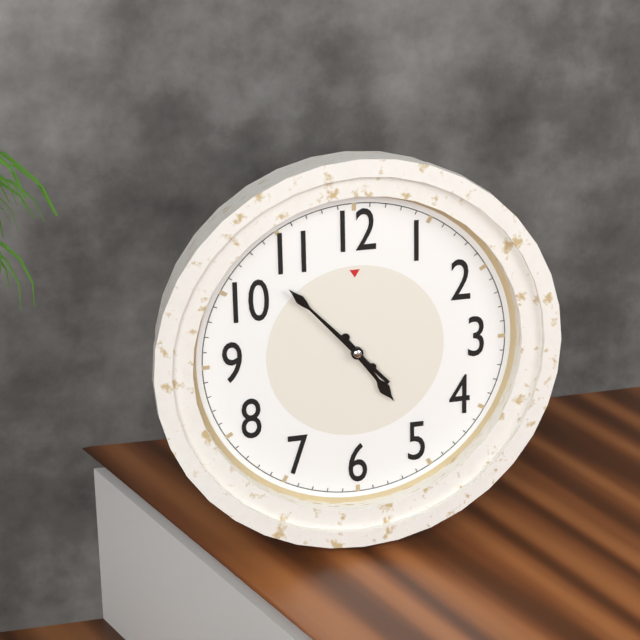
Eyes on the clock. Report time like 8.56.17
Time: 4.53.53
